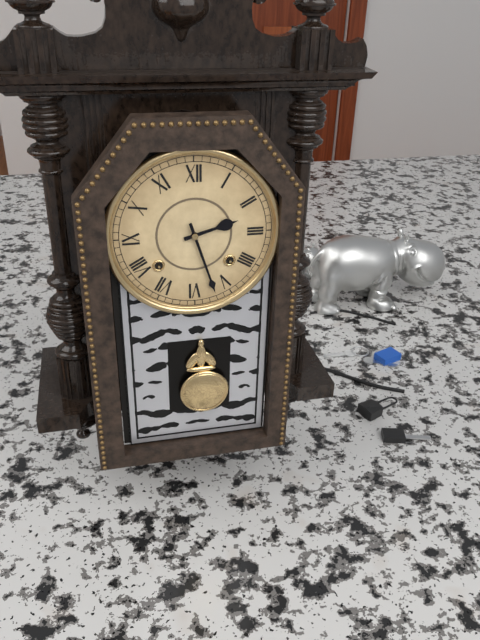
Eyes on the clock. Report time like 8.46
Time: 2.27
